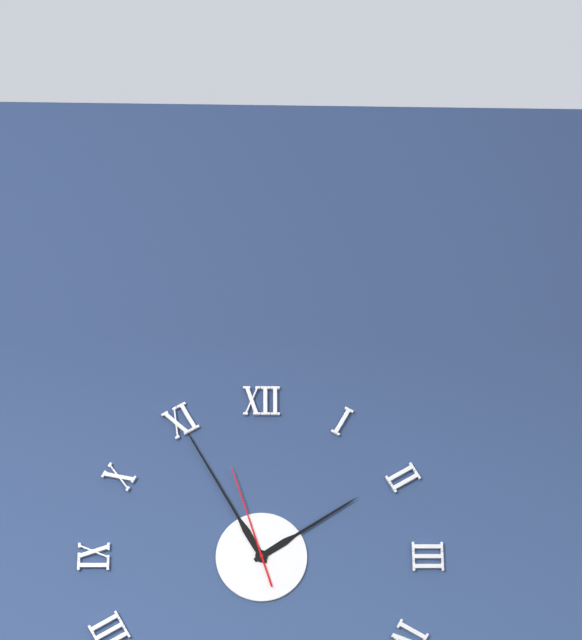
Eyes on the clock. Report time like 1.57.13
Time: 1.55.57
